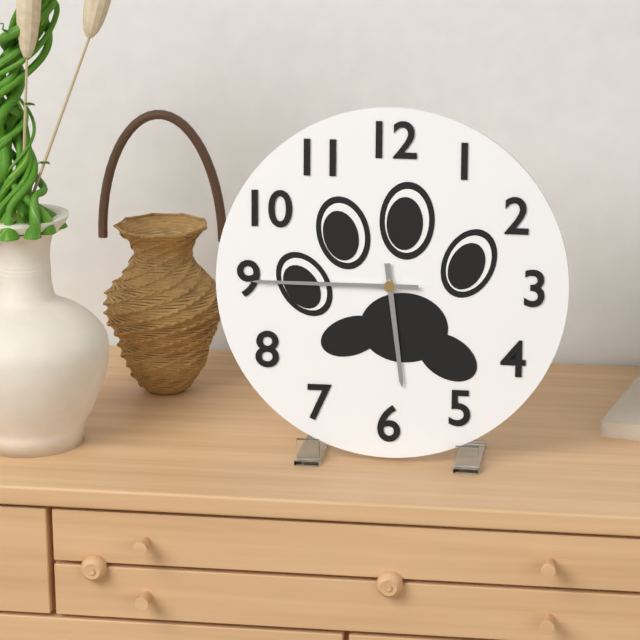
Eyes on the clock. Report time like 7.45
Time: 5.45
